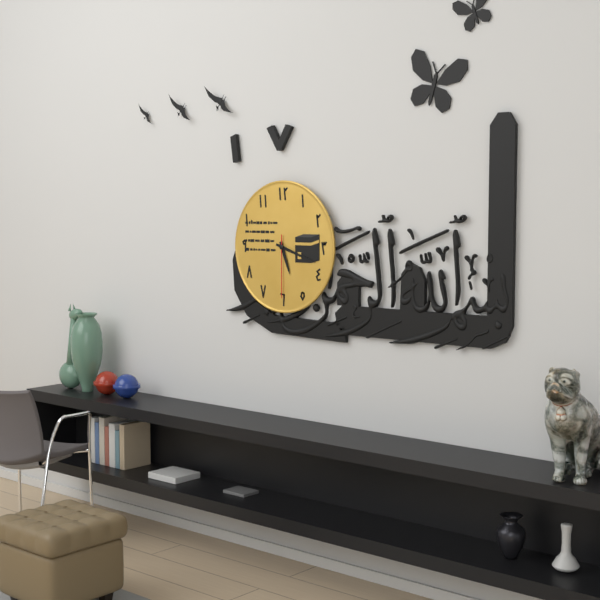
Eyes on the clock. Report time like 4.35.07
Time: 5.18.30
